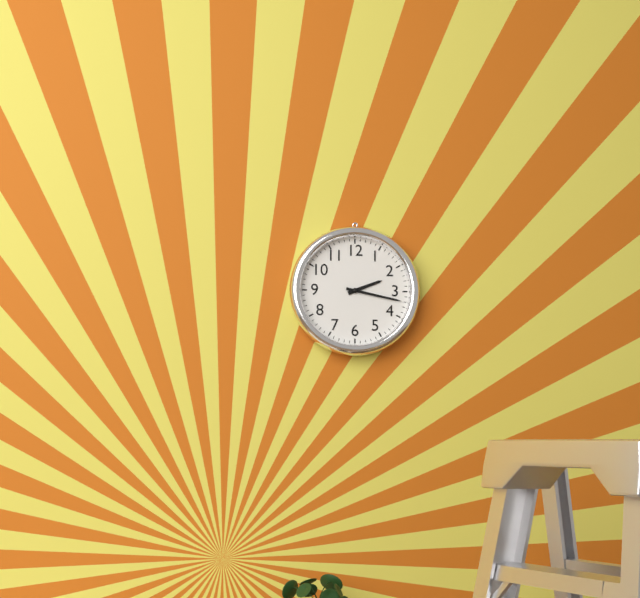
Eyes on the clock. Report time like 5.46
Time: 2.17
